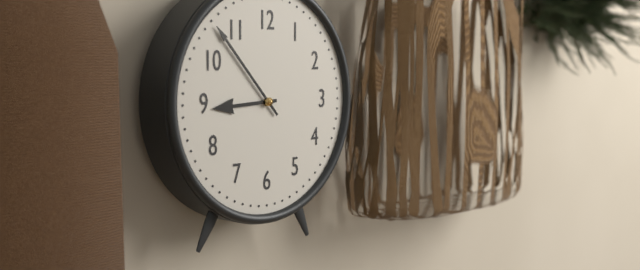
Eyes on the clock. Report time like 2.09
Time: 8.53
